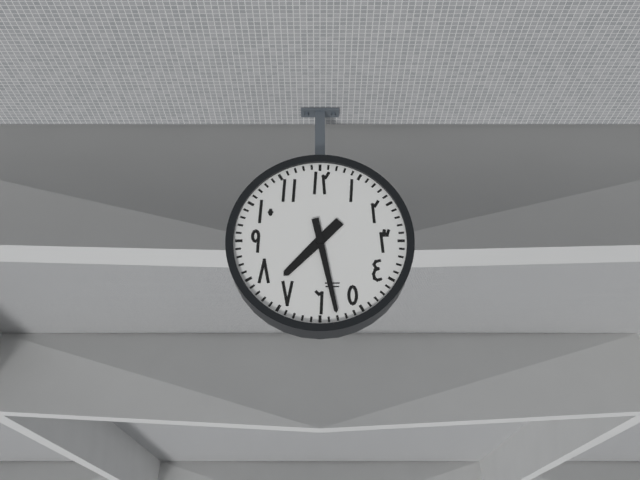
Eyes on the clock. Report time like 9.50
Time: 7.28
